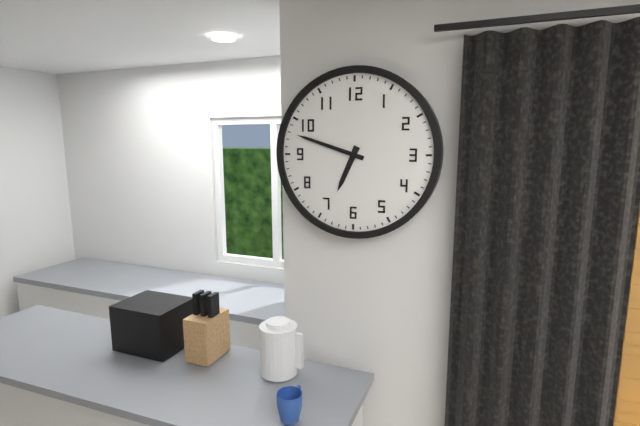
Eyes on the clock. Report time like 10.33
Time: 6.48
